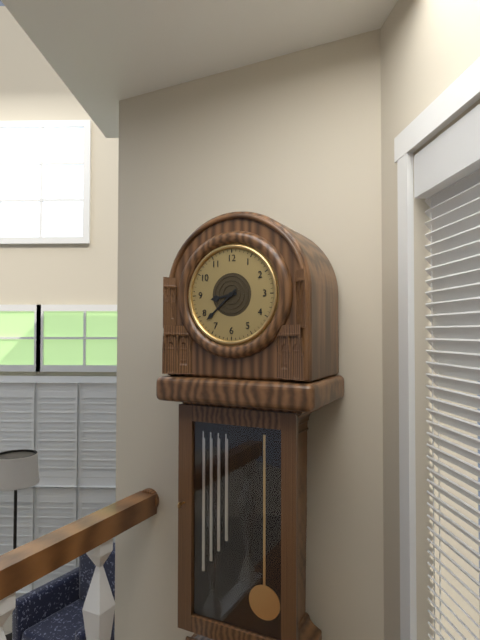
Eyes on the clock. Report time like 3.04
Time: 8.38
